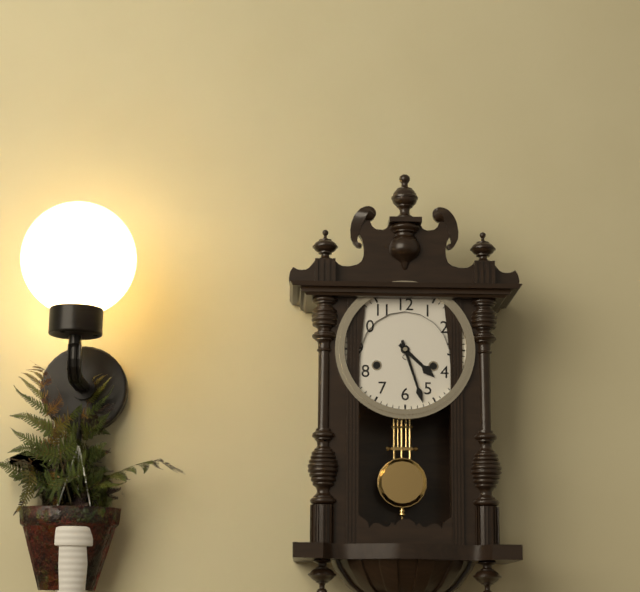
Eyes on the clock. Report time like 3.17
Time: 4.27
